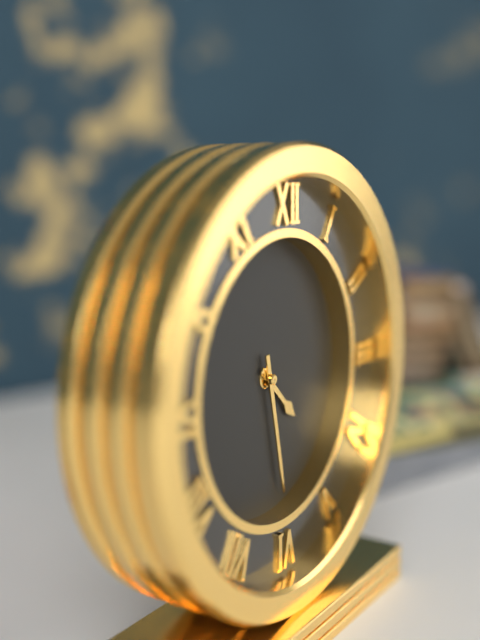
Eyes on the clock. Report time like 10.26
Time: 4.28
